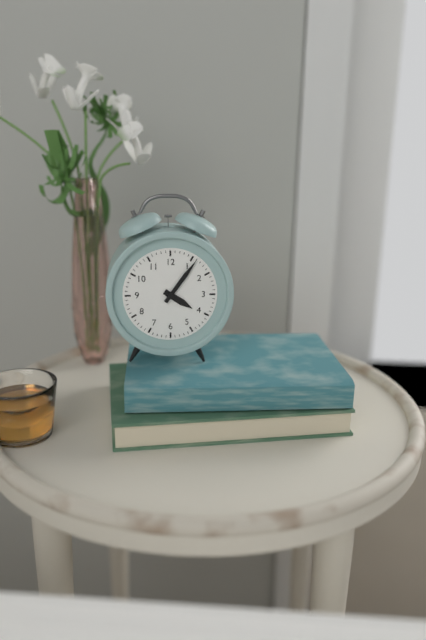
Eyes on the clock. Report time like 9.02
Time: 4.06
